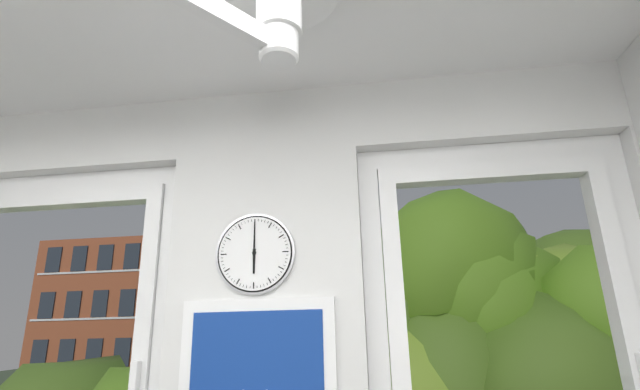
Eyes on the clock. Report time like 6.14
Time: 6.00
